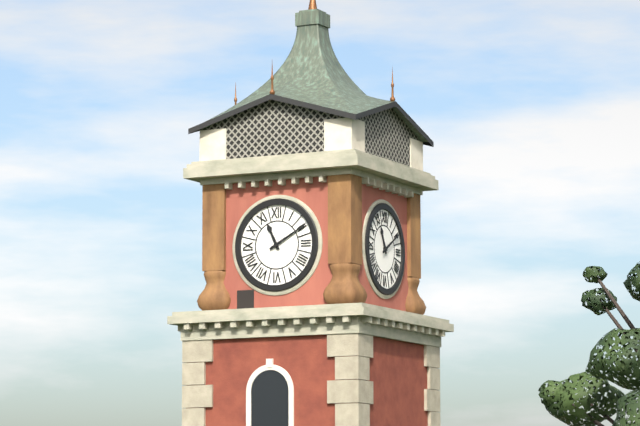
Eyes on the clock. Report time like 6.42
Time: 11.10
